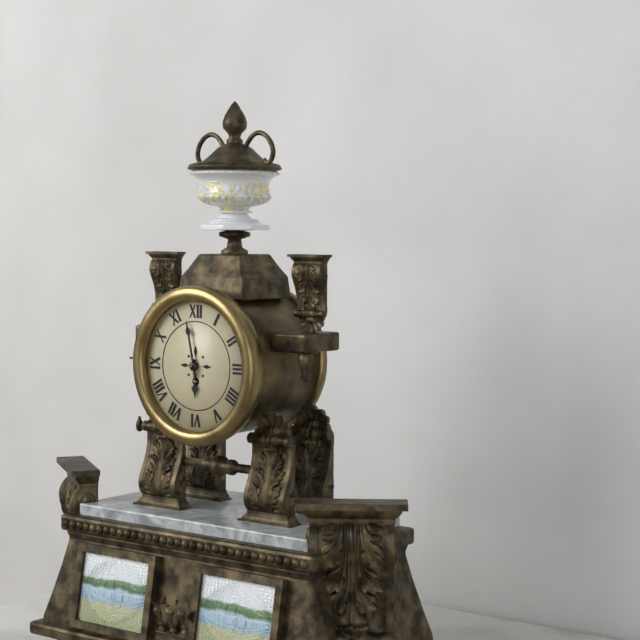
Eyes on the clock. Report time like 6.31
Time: 5.58
